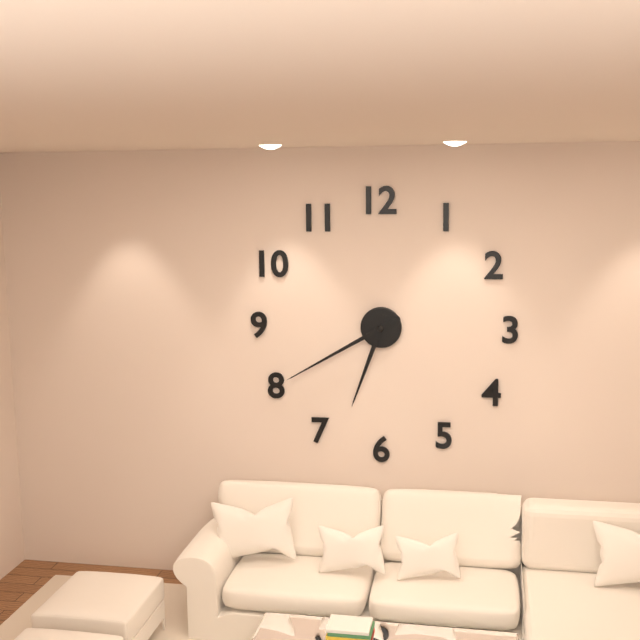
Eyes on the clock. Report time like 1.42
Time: 6.40
